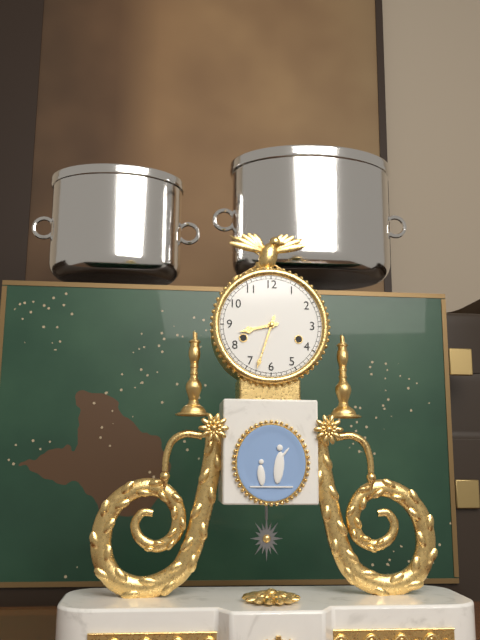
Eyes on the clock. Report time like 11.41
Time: 8.33
